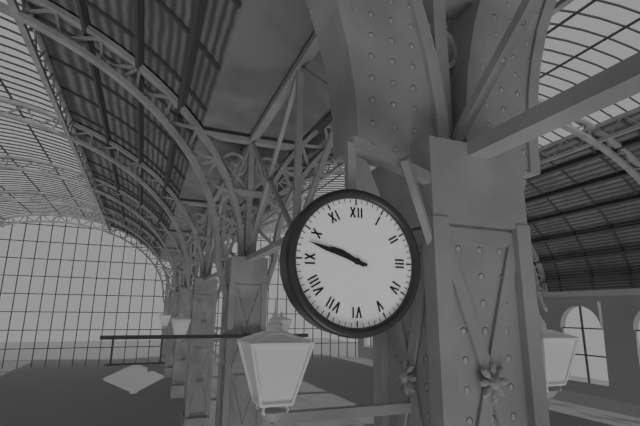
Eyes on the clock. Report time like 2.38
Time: 9.48
